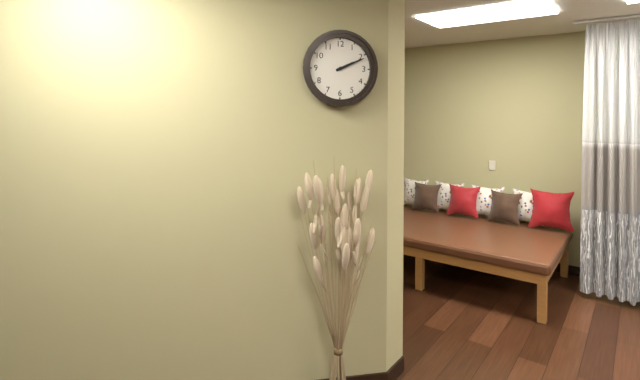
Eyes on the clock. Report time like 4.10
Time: 2.11
